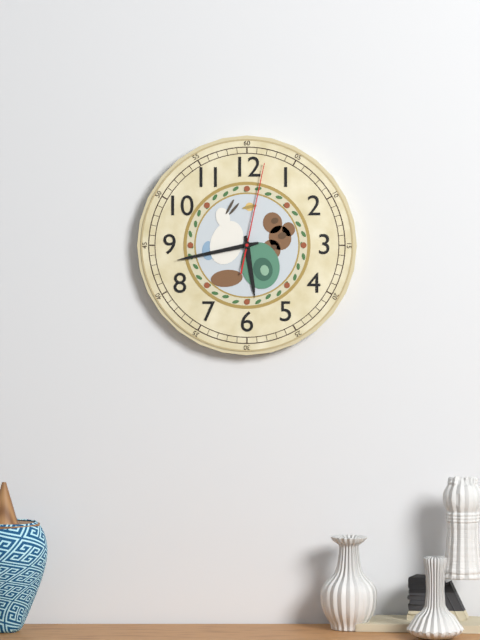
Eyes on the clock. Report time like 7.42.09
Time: 5.43.02
